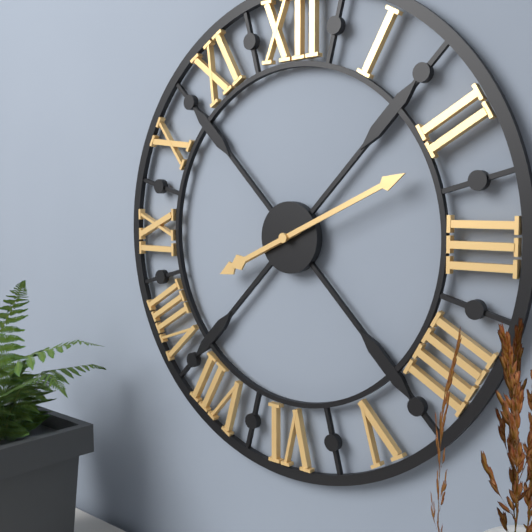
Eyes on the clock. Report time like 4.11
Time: 8.11
